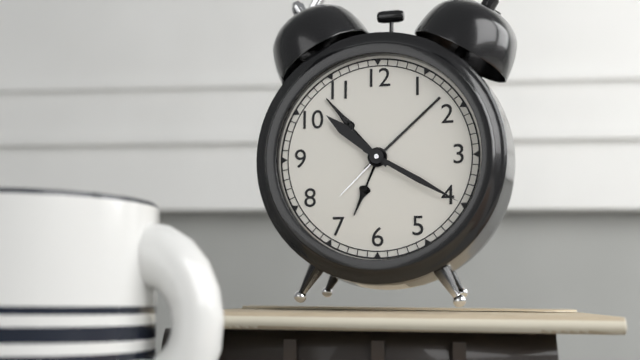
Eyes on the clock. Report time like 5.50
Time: 10.20
